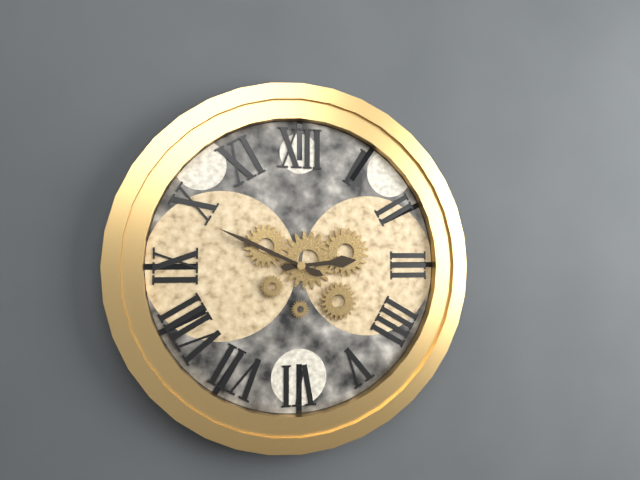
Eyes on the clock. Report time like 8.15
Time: 2.49
